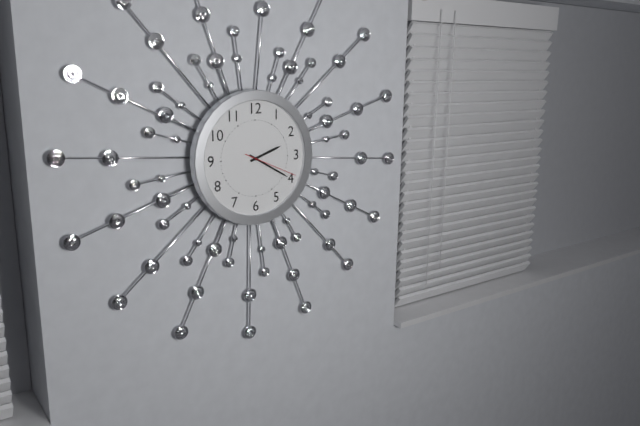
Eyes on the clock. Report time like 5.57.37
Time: 2.20.19
